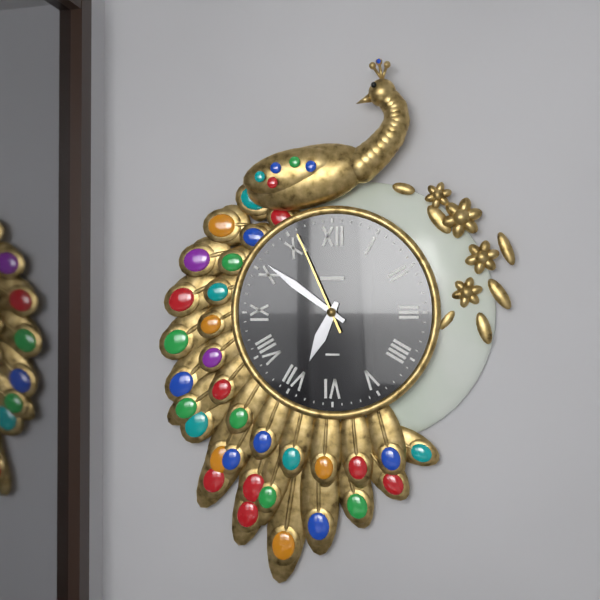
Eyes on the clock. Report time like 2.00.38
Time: 6.51.56
